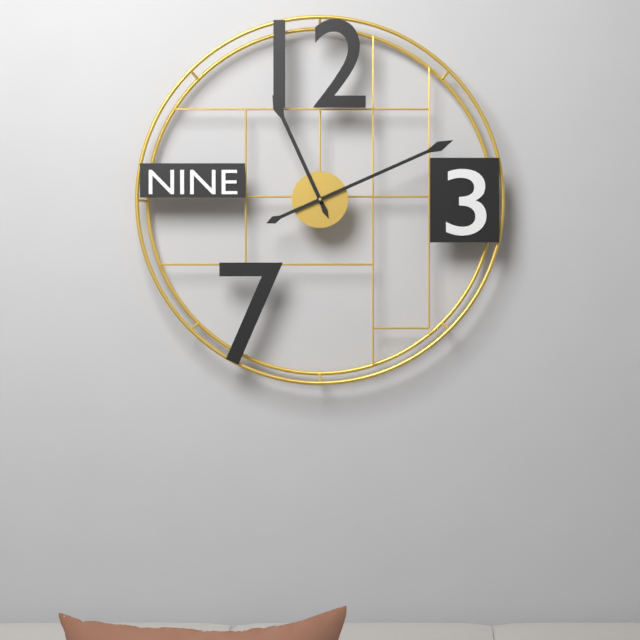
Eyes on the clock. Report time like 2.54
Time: 11.11
